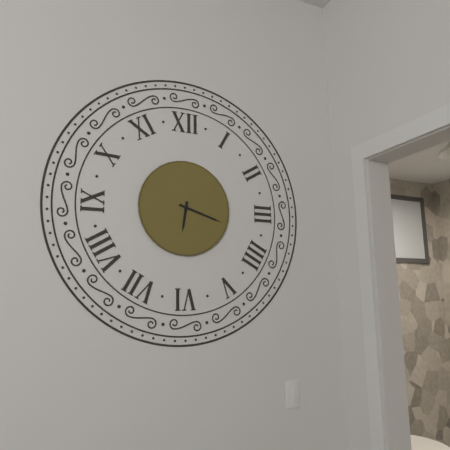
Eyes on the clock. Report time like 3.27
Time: 6.18
